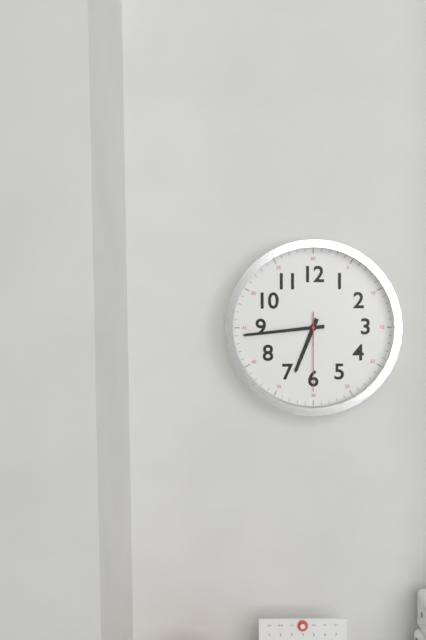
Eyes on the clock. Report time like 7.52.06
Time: 6.44.30
